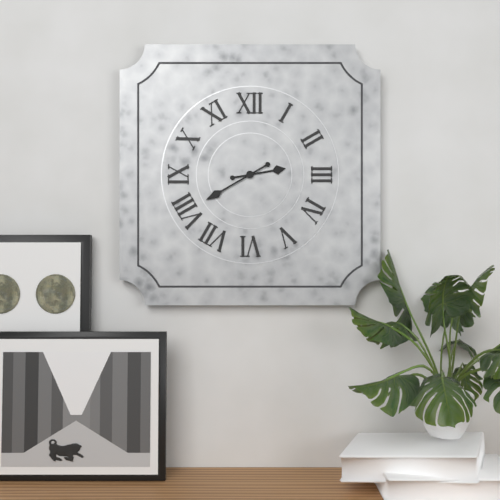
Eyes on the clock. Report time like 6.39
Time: 2.40
